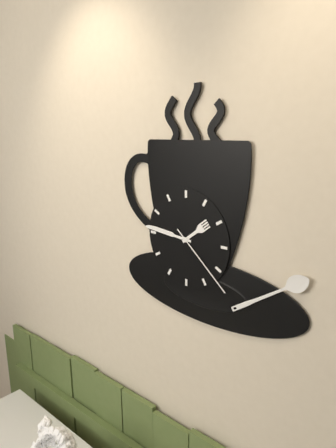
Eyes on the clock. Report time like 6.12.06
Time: 1.46.22
